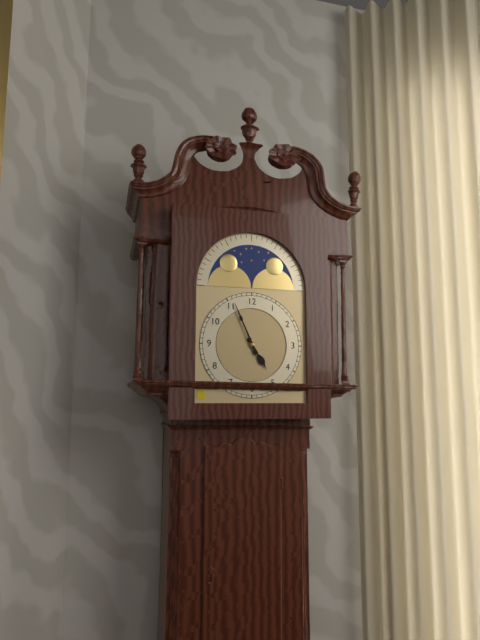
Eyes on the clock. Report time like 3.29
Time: 4.56
